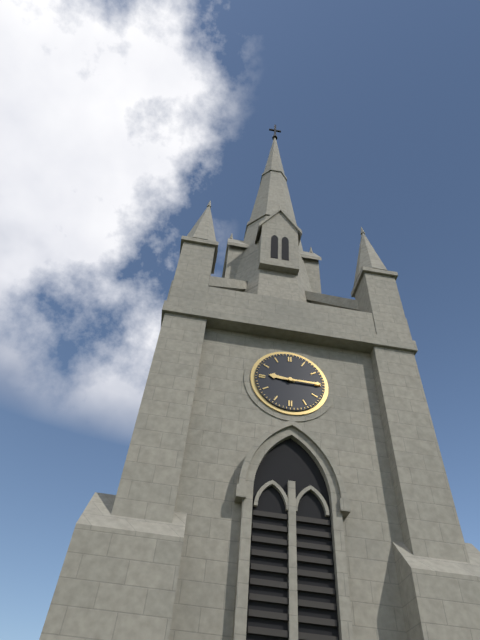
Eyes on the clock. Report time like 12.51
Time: 9.15
